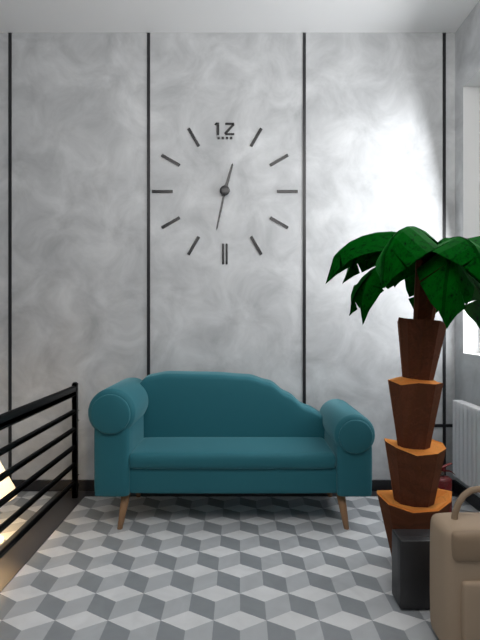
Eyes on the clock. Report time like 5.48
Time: 12.32
